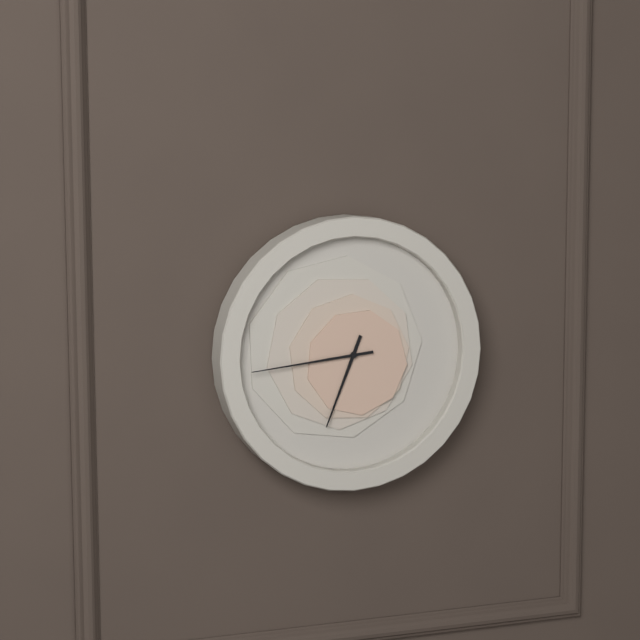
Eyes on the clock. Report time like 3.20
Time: 6.44
